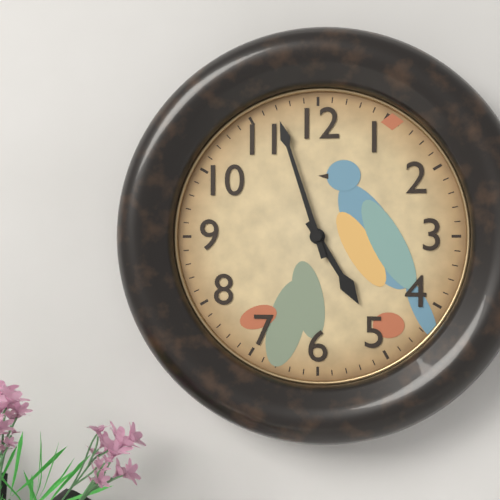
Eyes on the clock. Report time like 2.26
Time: 4.57
